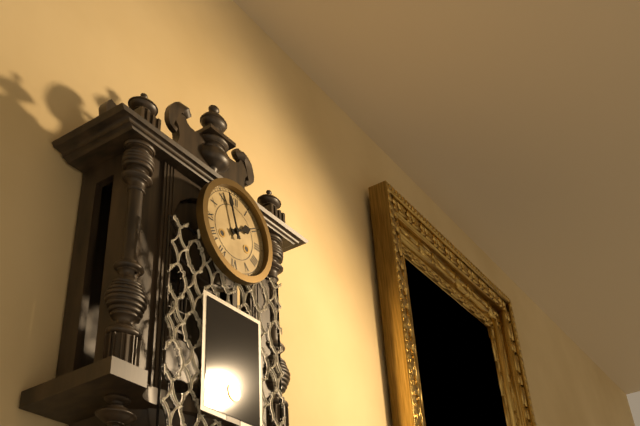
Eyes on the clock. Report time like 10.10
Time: 1.57
